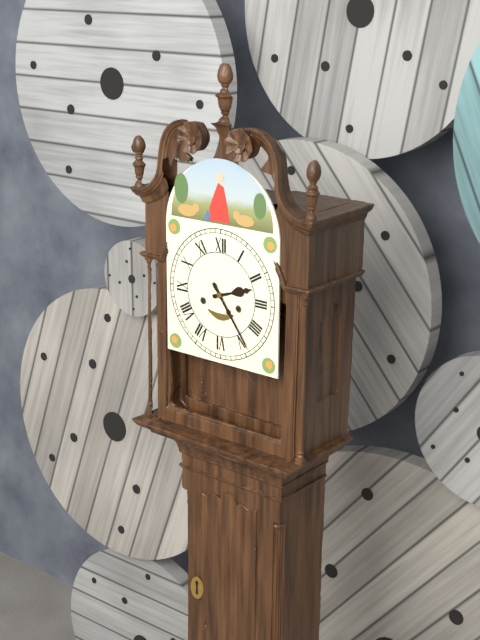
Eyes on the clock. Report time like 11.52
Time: 2.24
